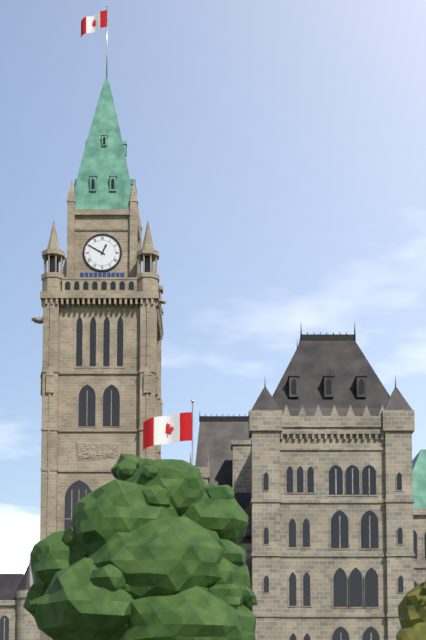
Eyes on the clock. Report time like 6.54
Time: 12.50
